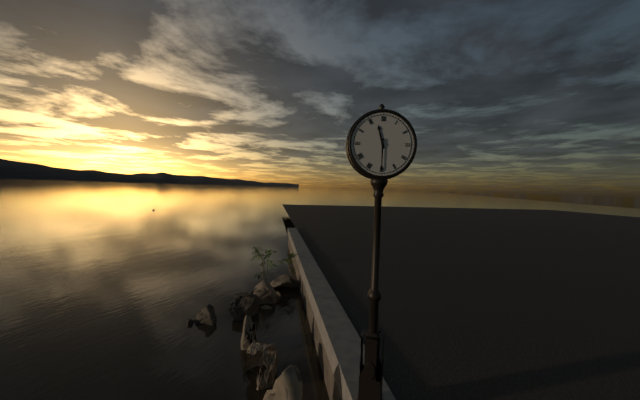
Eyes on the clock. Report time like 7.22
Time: 11.30
